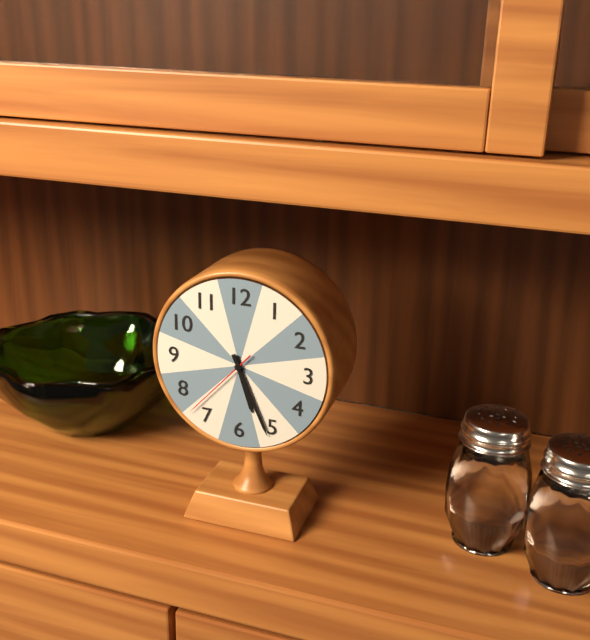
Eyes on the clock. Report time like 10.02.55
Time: 5.26.37
